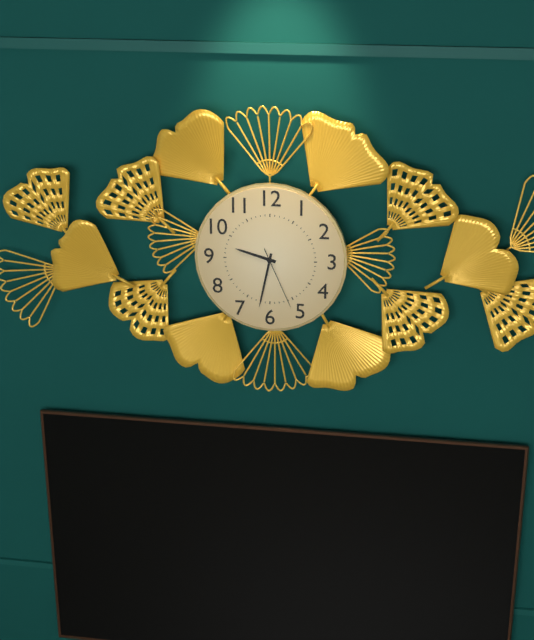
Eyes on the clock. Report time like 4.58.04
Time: 9.32.26
